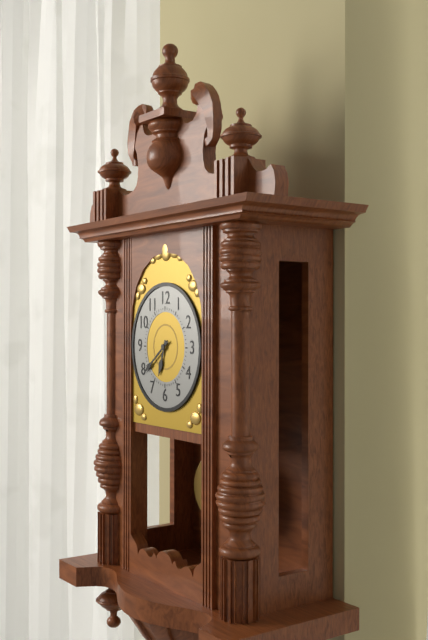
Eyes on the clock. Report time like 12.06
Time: 6.39
